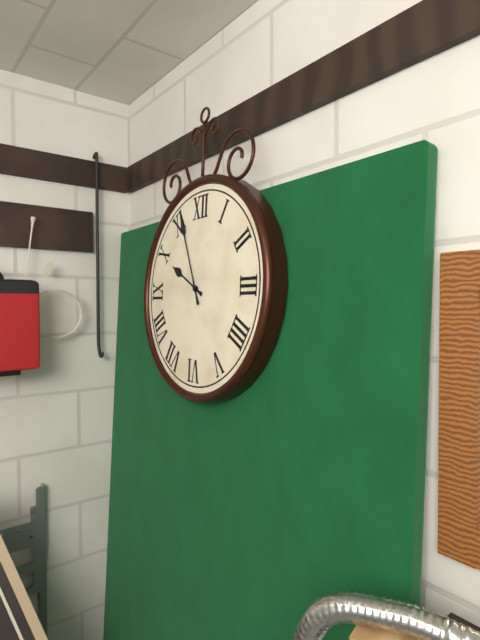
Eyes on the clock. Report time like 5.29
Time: 9.56
